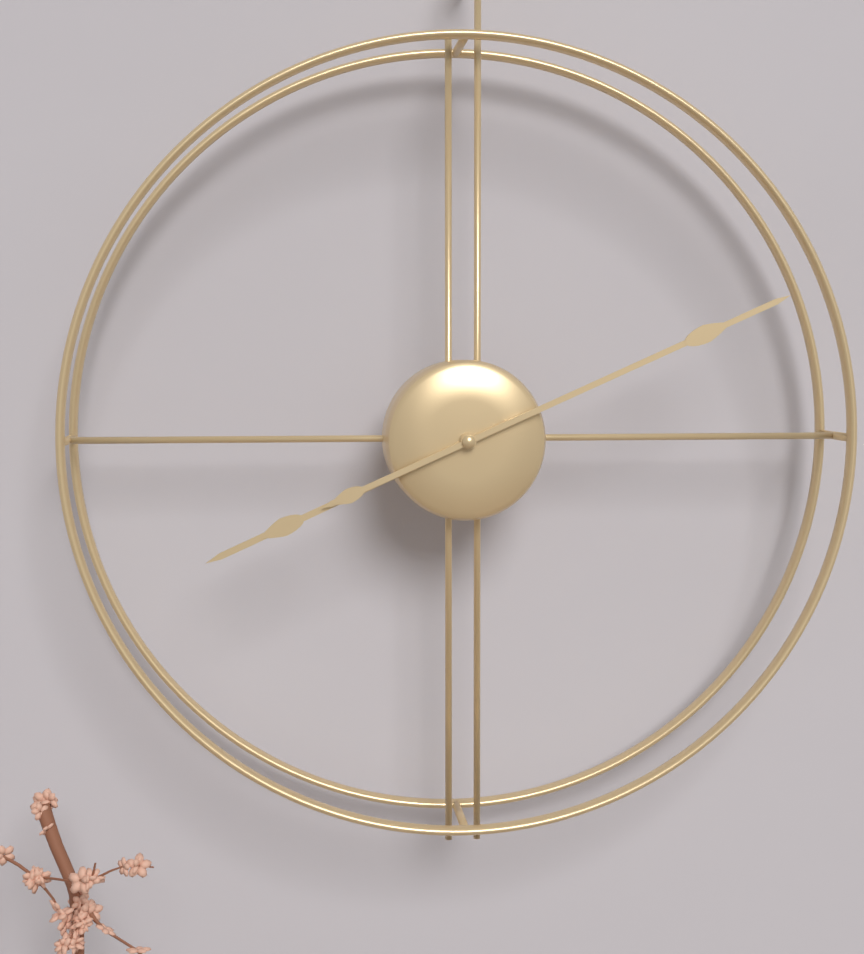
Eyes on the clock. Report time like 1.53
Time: 8.11
